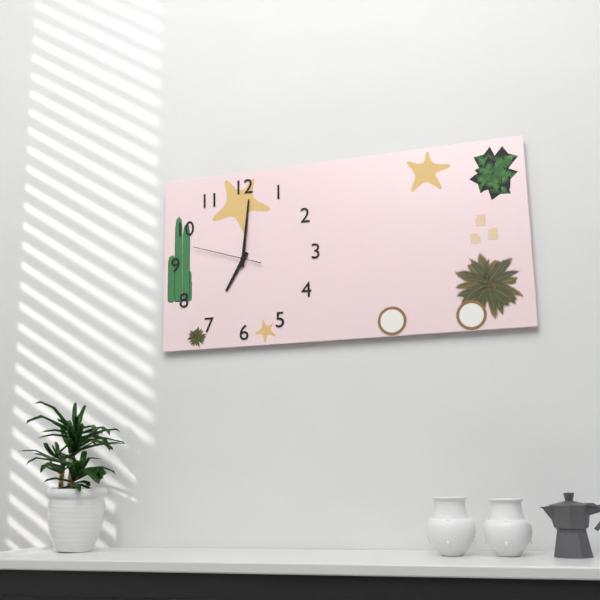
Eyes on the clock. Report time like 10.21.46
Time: 7.01.48
